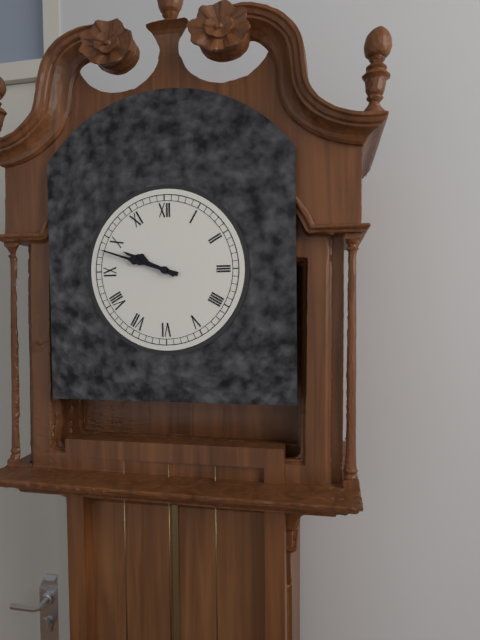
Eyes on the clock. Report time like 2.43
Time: 9.48
